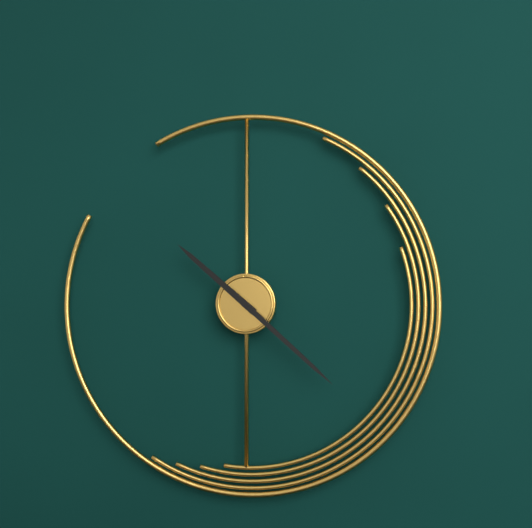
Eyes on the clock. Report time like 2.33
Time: 10.22
